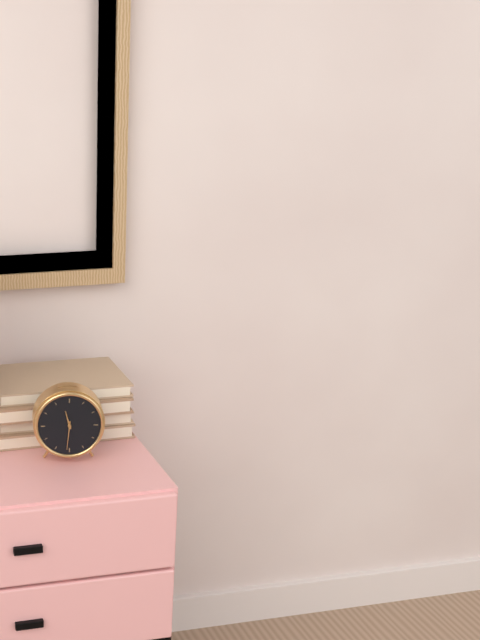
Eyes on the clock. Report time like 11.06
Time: 11.31
